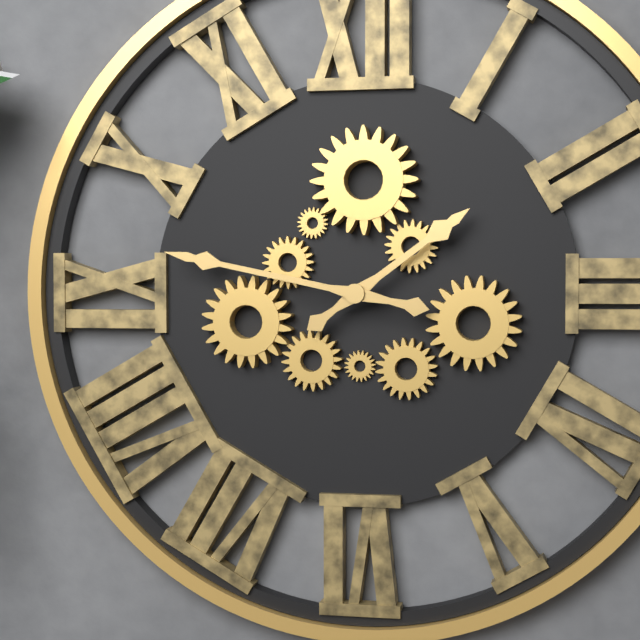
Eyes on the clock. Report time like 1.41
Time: 1.47
